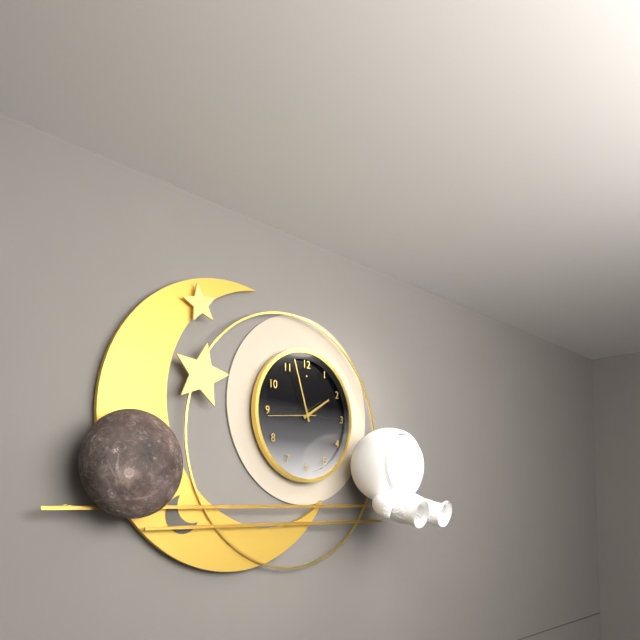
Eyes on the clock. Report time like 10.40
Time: 1.57
